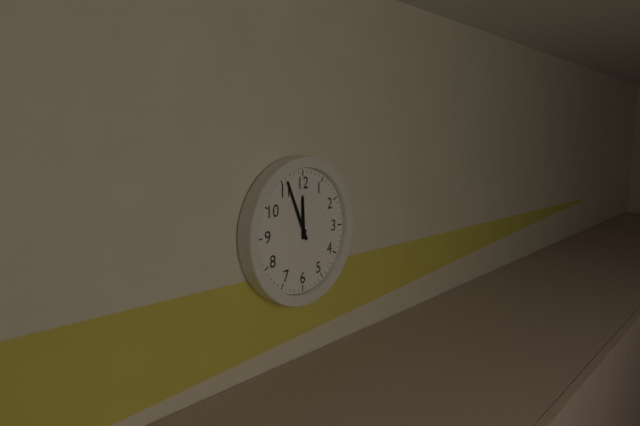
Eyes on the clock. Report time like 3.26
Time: 11.56
